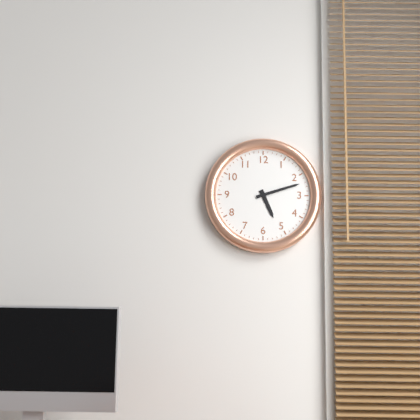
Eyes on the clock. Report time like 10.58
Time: 5.12
